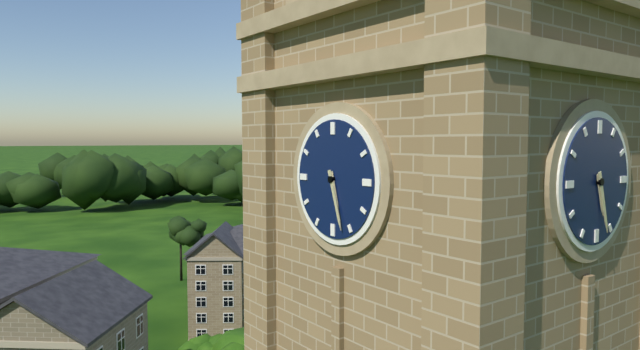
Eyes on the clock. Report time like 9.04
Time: 5.27
